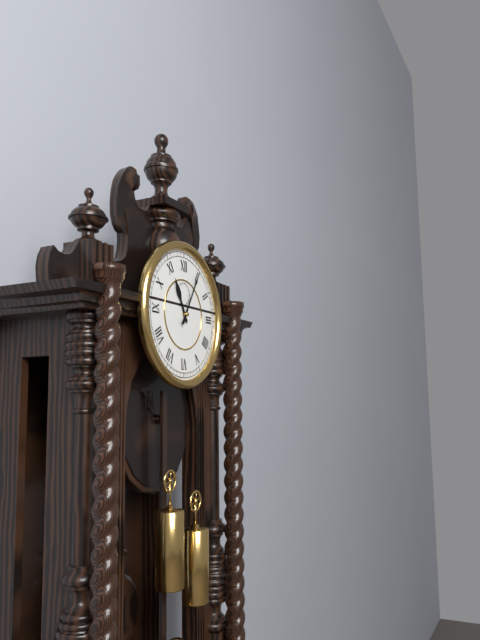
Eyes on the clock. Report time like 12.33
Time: 11.05
